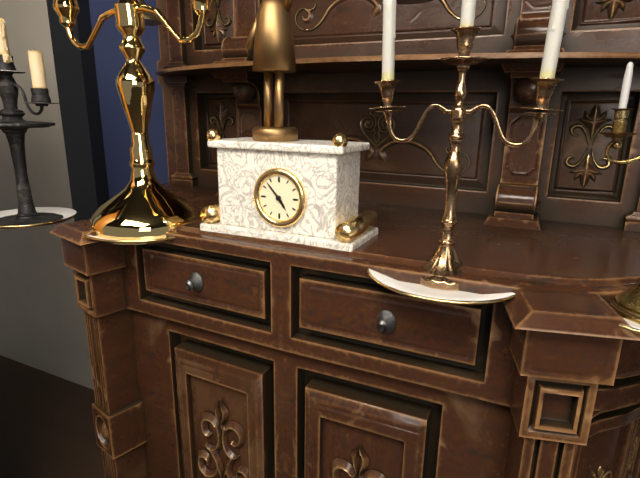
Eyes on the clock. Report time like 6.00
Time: 4.53
